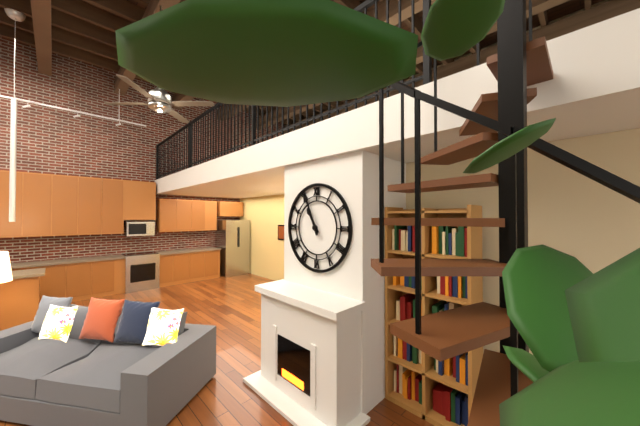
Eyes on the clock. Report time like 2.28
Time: 10.56
